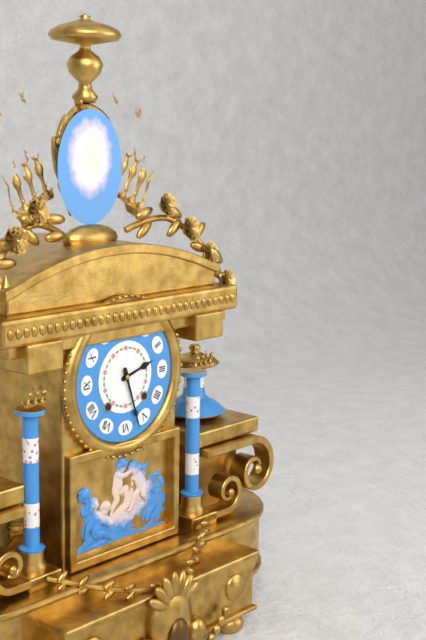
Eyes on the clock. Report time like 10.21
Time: 2.27
